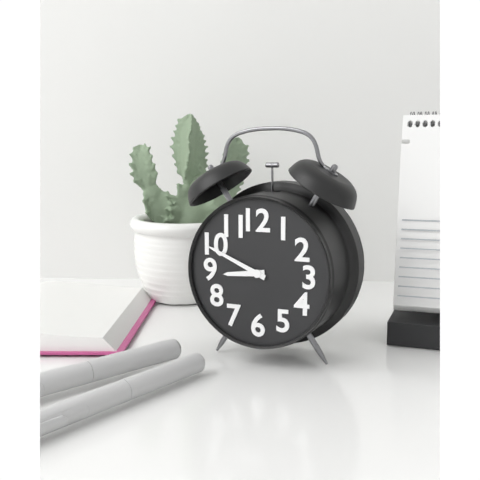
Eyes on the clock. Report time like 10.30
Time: 8.49
